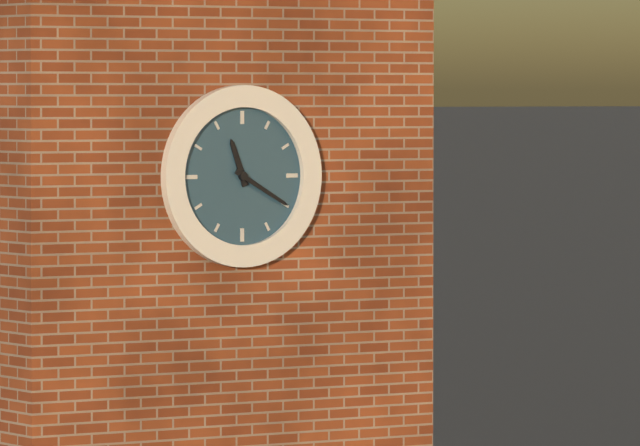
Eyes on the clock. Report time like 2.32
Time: 11.20
